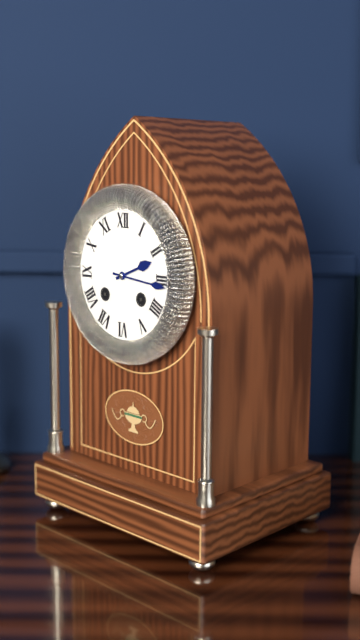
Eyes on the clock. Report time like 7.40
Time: 2.16
